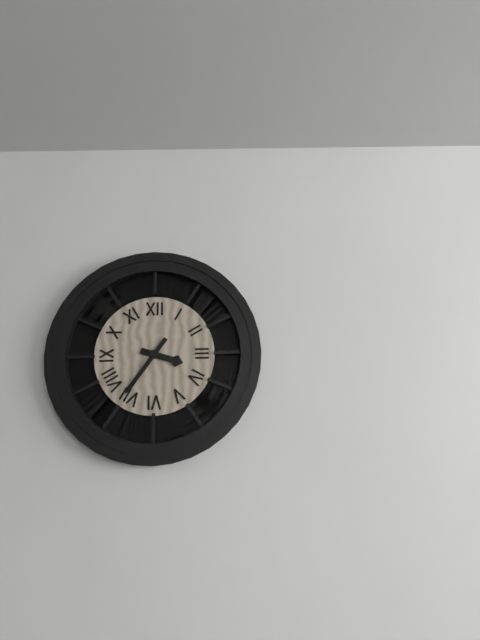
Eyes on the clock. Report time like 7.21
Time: 3.36
